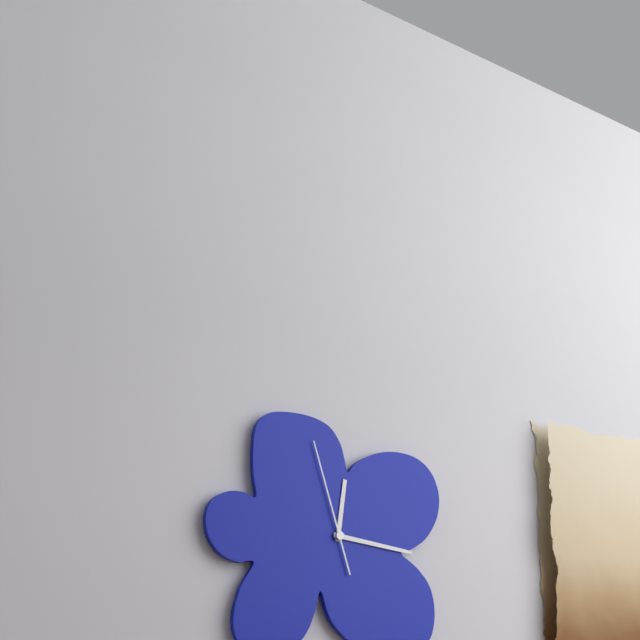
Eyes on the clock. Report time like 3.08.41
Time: 12.16.57
